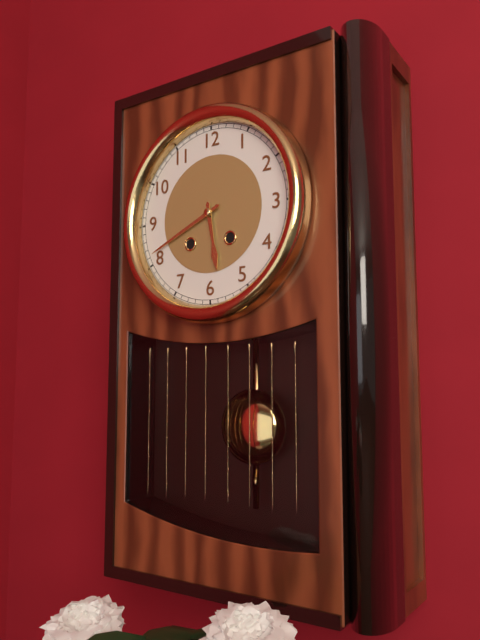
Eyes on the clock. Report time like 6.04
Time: 5.41
